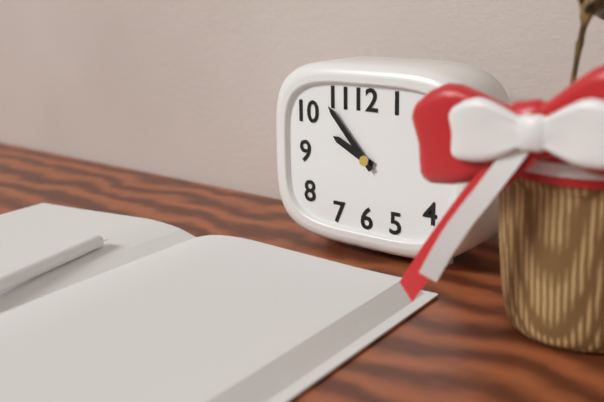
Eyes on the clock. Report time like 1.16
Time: 9.53
